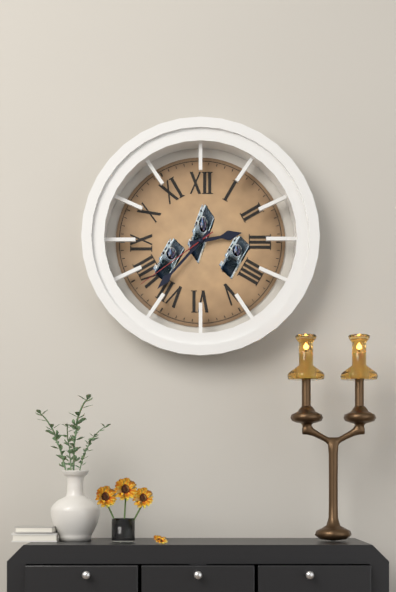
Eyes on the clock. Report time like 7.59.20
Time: 2.37.39
